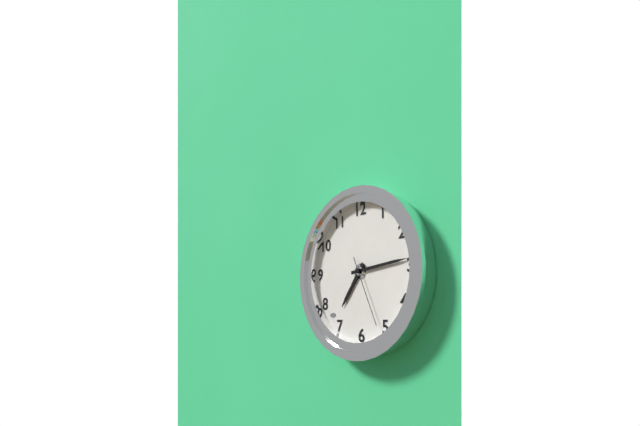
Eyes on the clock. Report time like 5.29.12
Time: 7.14.26
